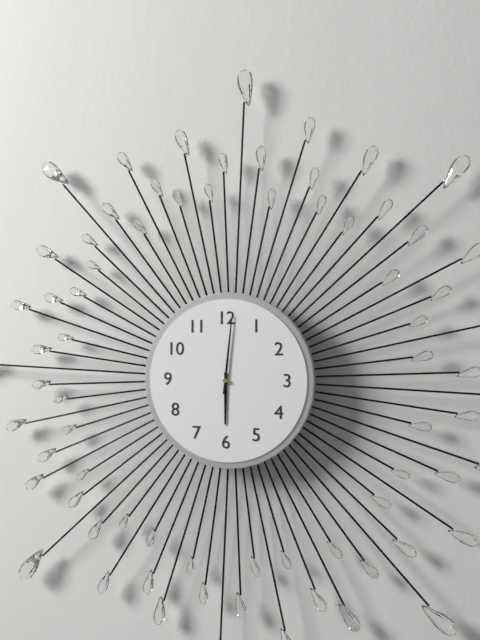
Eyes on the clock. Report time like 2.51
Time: 6.01
